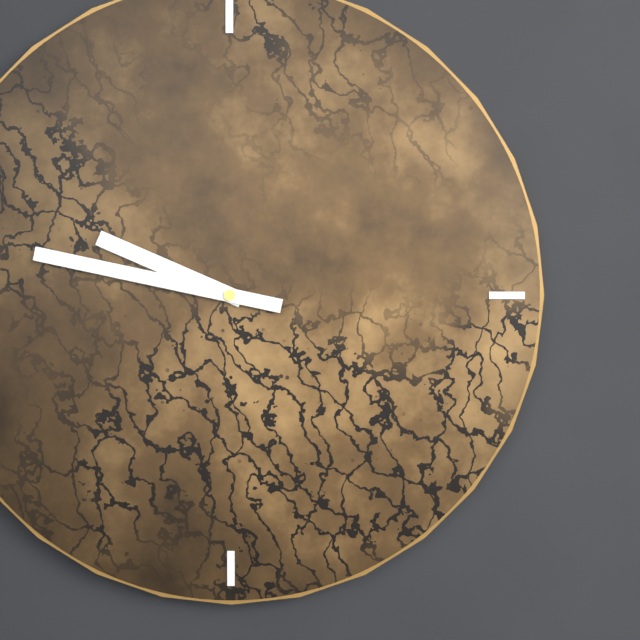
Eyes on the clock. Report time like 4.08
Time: 9.47
